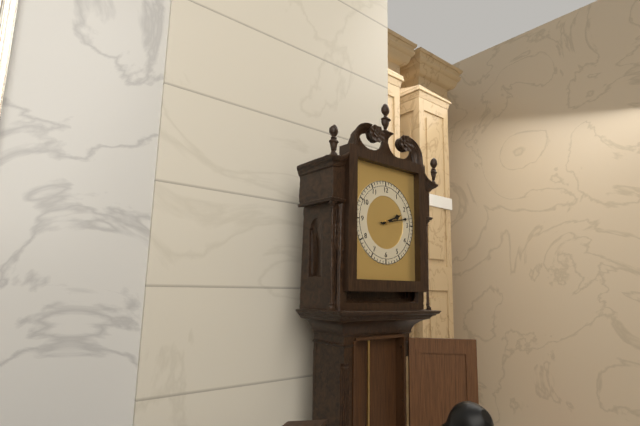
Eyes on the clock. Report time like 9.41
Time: 2.13
